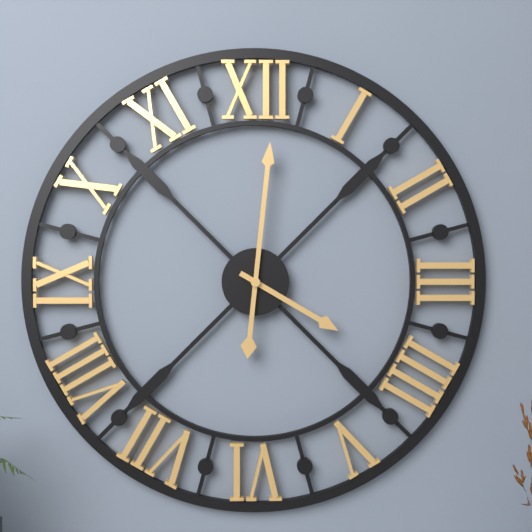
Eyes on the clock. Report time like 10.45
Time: 4.01
